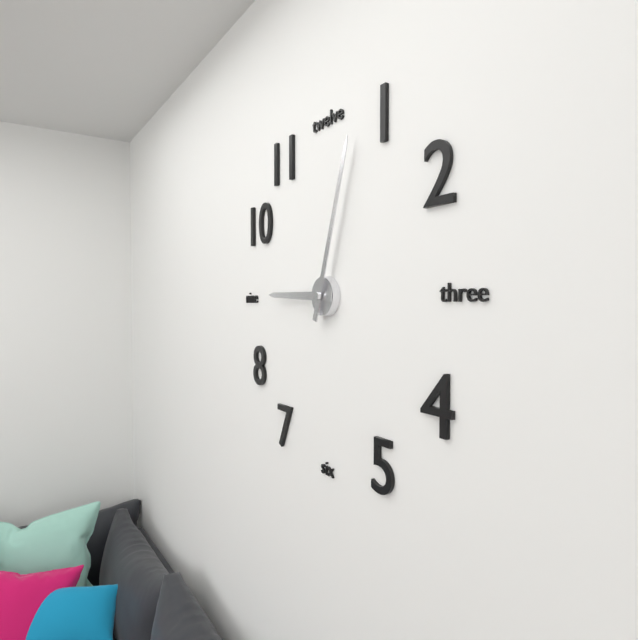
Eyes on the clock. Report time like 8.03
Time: 9.03
